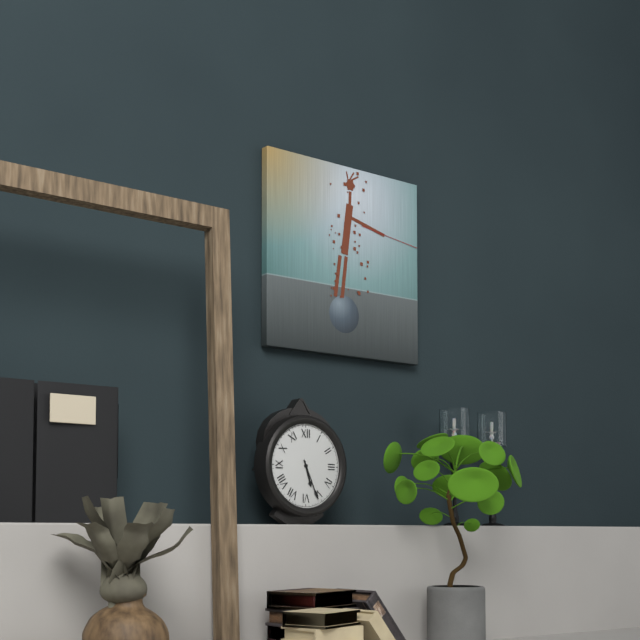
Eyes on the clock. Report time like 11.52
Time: 5.26
